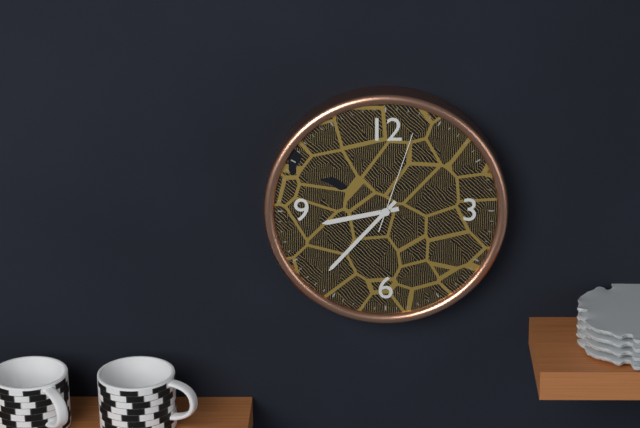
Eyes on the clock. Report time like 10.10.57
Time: 8.37.03
